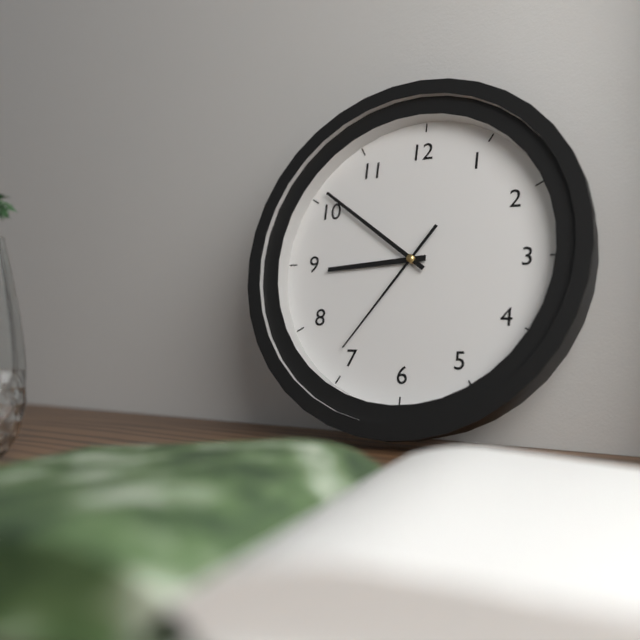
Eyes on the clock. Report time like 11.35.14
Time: 8.51.36
